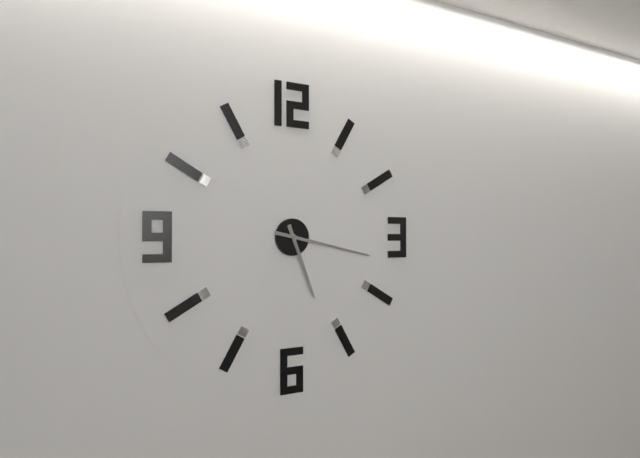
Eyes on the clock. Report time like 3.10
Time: 5.17
